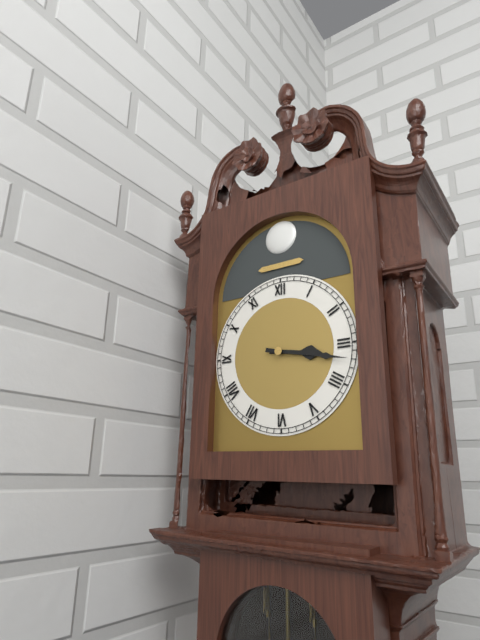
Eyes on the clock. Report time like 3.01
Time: 3.17
